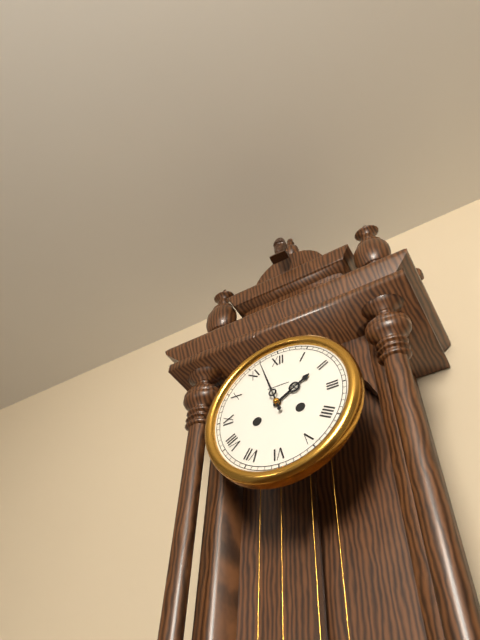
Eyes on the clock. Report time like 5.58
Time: 1.57
